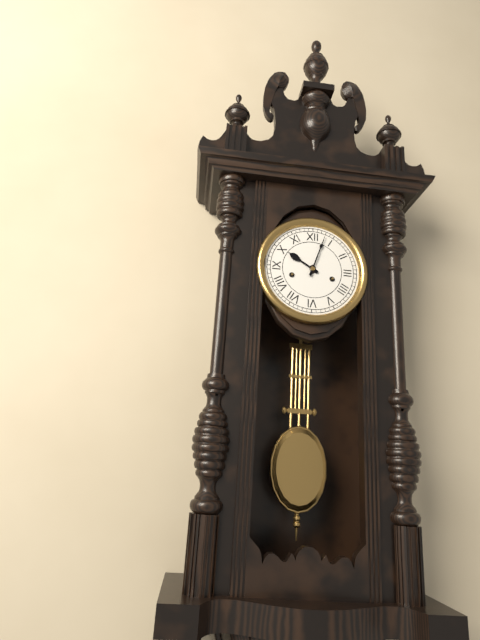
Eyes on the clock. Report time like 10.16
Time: 10.03
